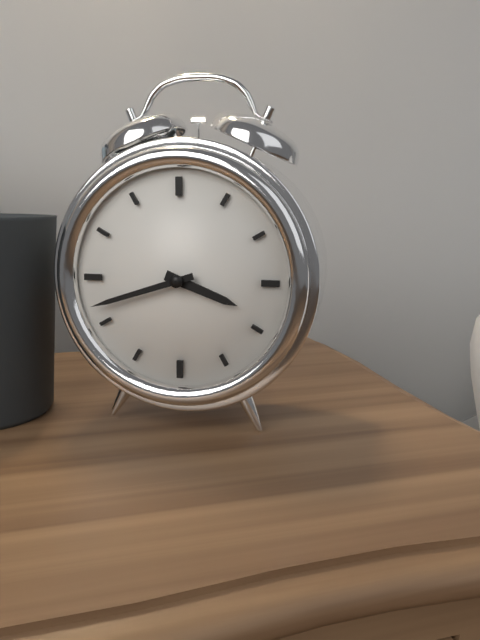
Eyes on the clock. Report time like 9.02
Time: 3.42
